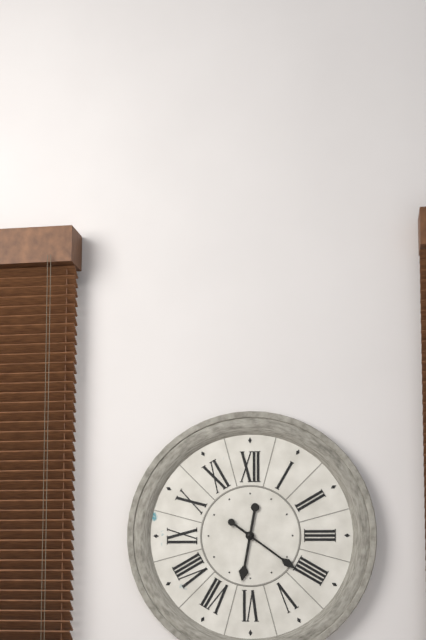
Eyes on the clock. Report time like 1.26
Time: 6.21
